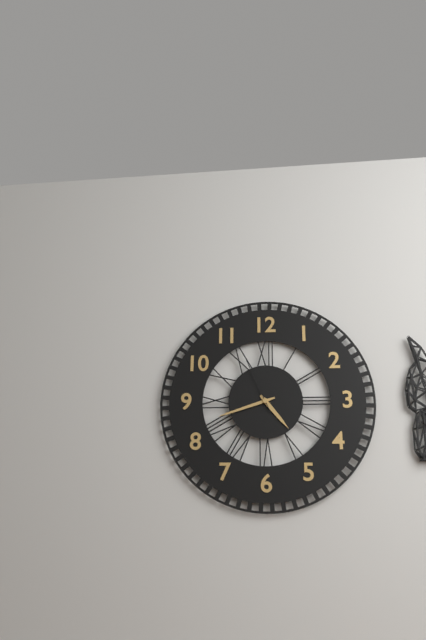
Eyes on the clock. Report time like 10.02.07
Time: 4.42.56
